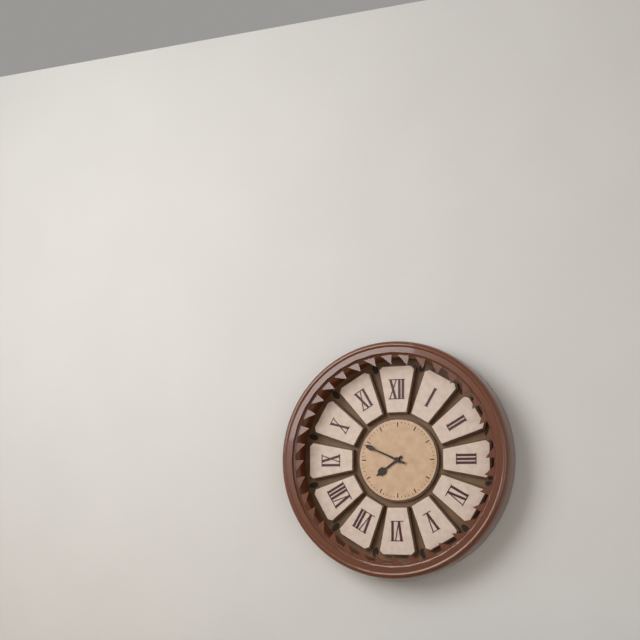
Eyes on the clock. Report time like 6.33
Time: 7.49
